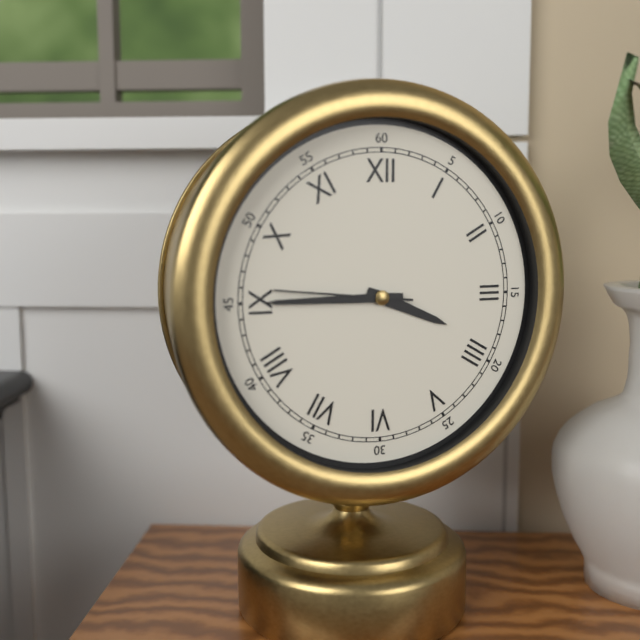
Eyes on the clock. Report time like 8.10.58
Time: 3.45.46
